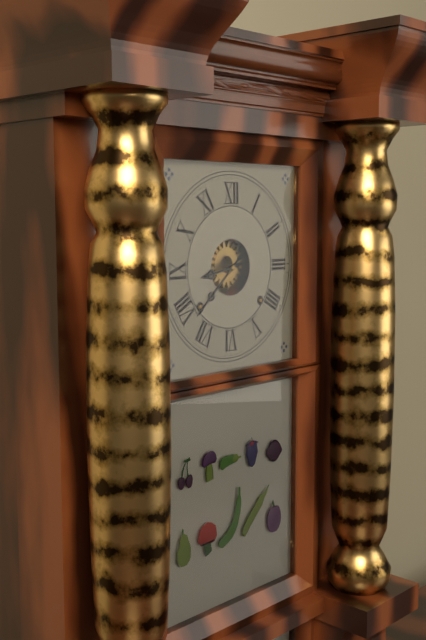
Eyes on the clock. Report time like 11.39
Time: 8.38
